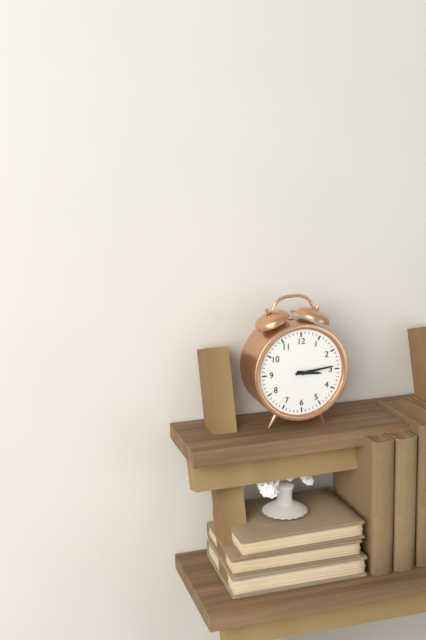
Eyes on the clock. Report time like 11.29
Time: 3.14
